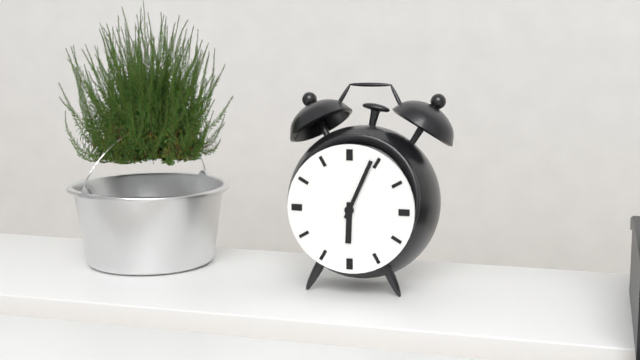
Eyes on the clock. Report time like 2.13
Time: 6.04
